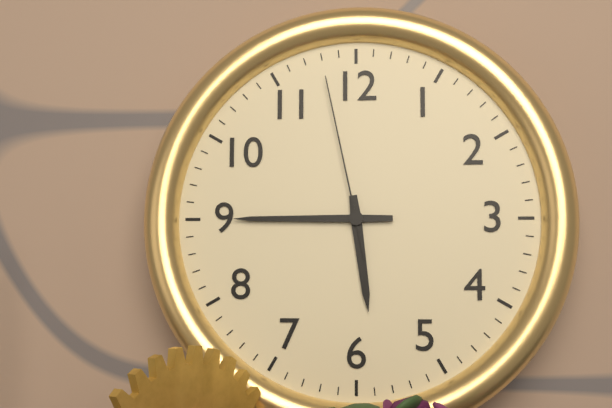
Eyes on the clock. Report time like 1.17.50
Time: 5.45.58
